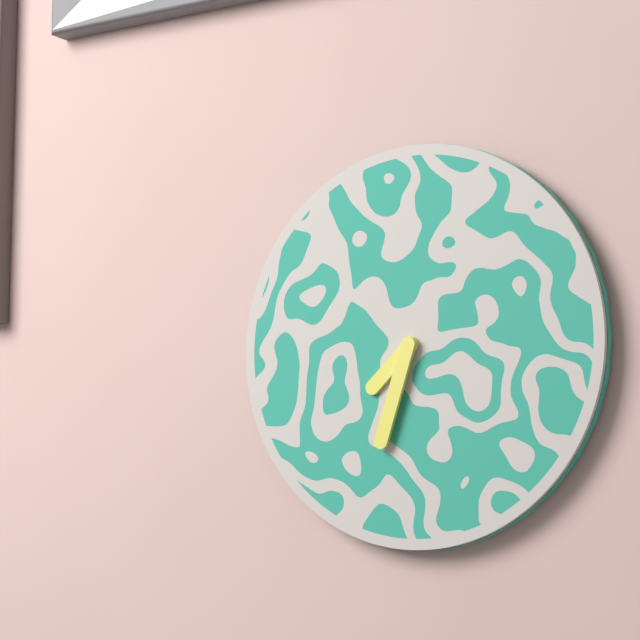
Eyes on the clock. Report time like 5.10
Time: 7.33
